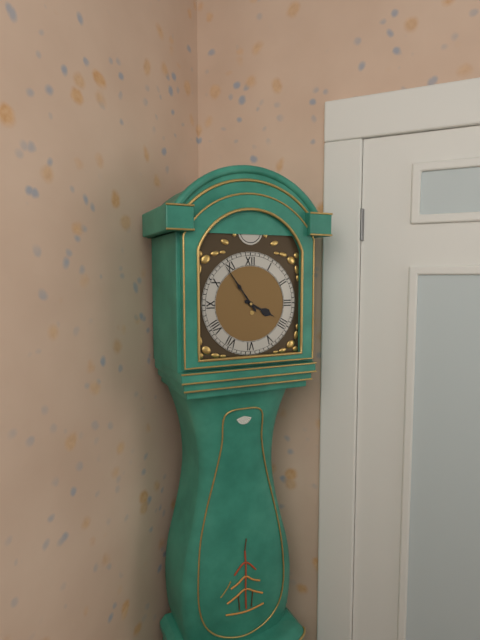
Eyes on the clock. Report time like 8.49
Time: 3.54
